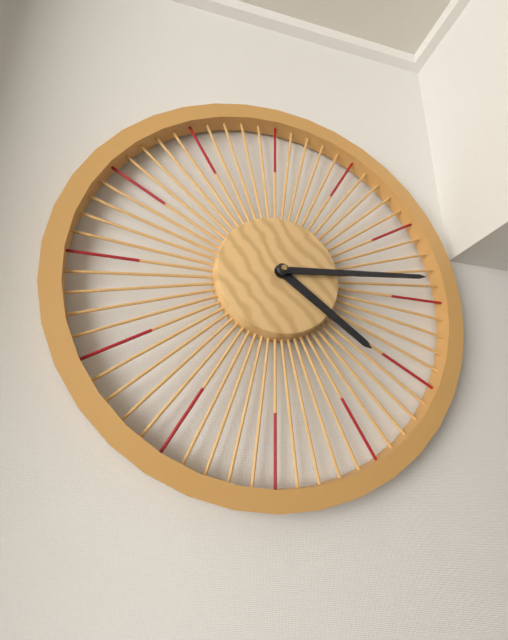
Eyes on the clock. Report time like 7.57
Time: 4.14
